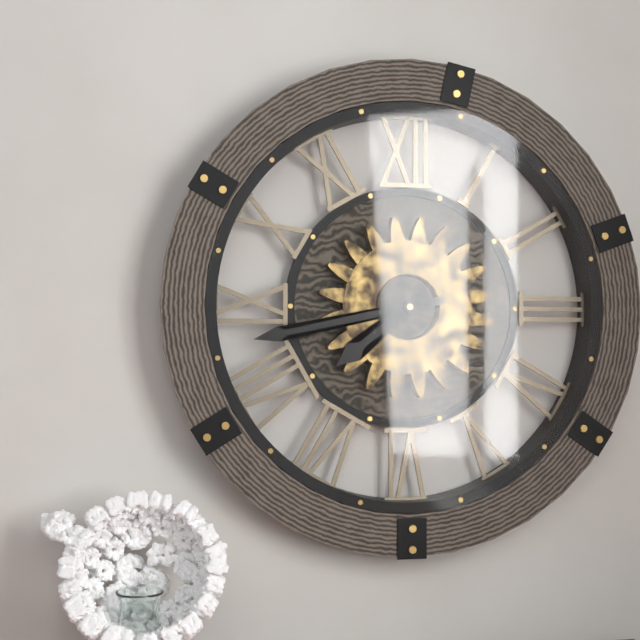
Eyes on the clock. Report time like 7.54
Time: 7.43
